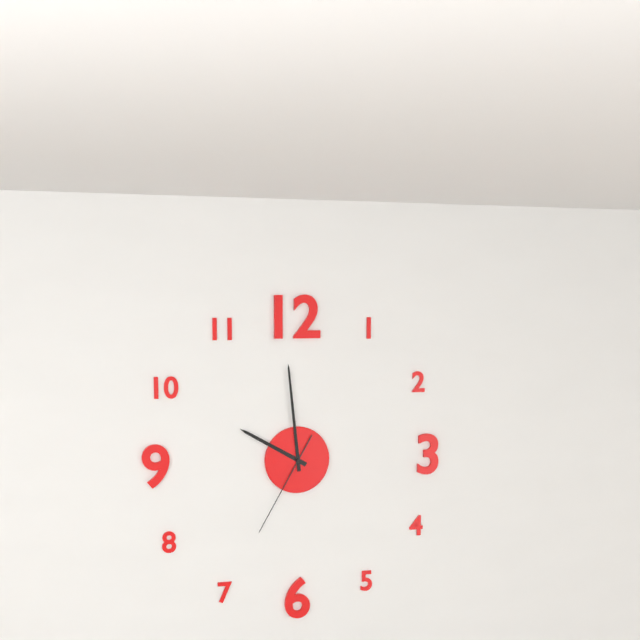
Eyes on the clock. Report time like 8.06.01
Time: 9.59.35
